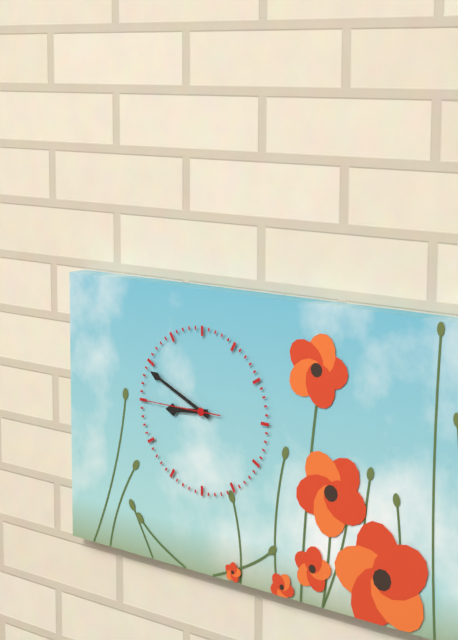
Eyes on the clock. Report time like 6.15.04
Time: 8.49.45
